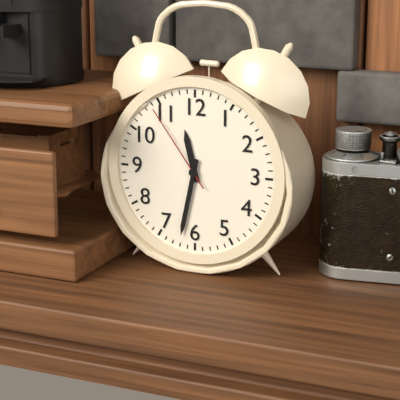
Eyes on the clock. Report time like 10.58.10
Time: 11.32.54
